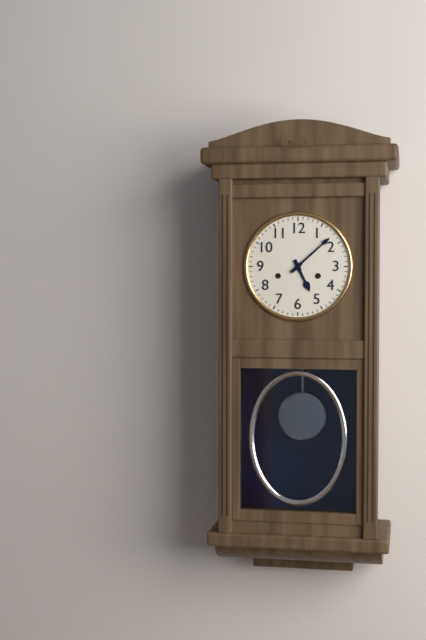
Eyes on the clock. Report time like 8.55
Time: 5.08
